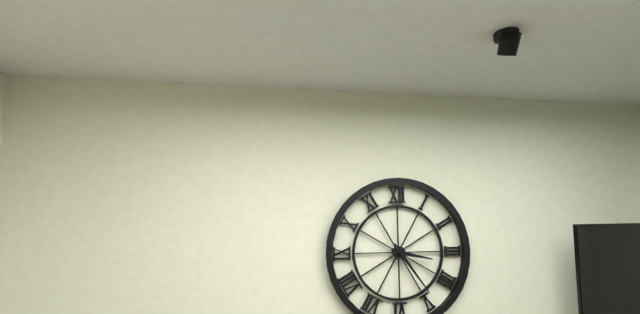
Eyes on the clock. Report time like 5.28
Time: 3.24
